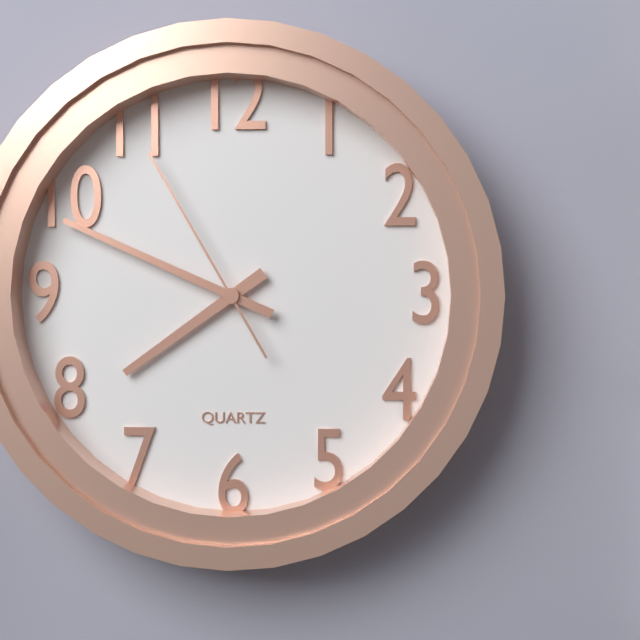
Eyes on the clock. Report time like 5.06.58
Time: 7.49.55
